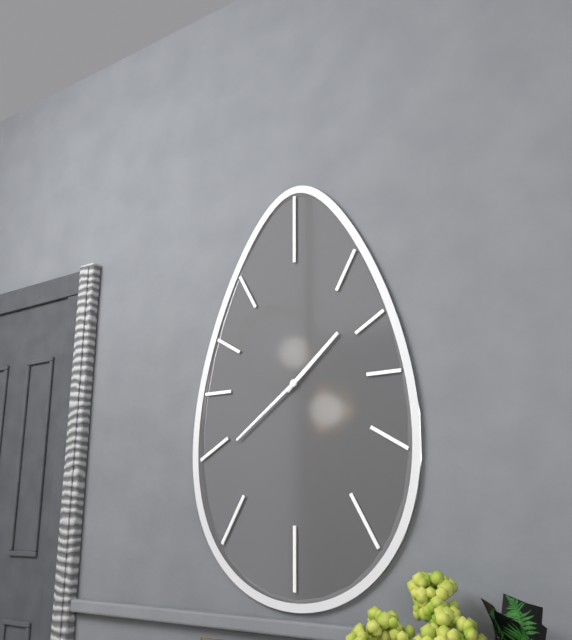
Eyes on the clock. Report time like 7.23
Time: 1.39
